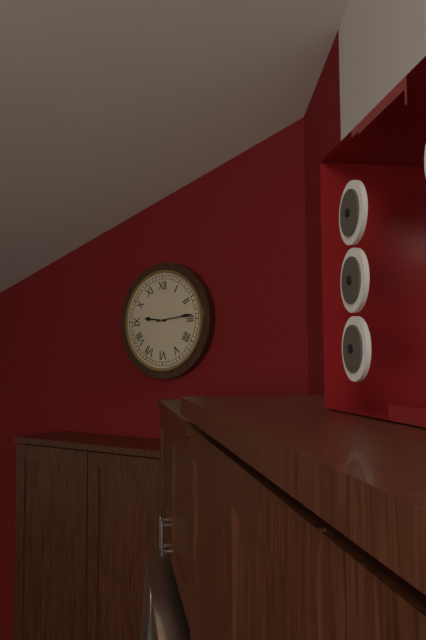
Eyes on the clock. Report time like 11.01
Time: 9.14
